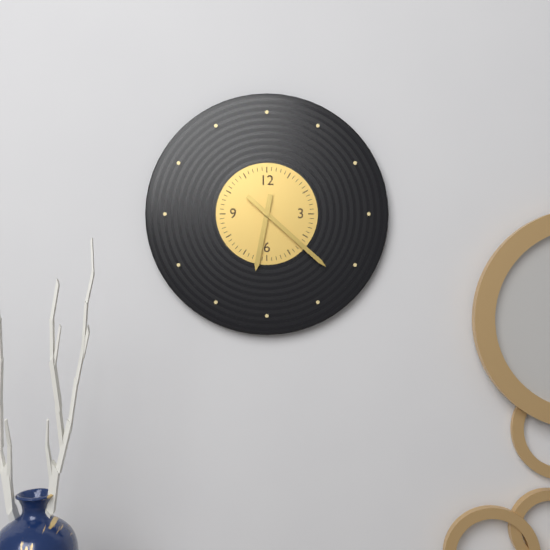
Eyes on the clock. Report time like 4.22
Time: 6.22
